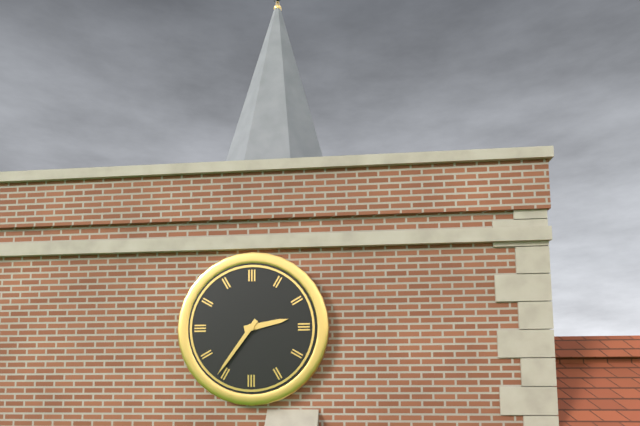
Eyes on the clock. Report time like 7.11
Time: 2.36
